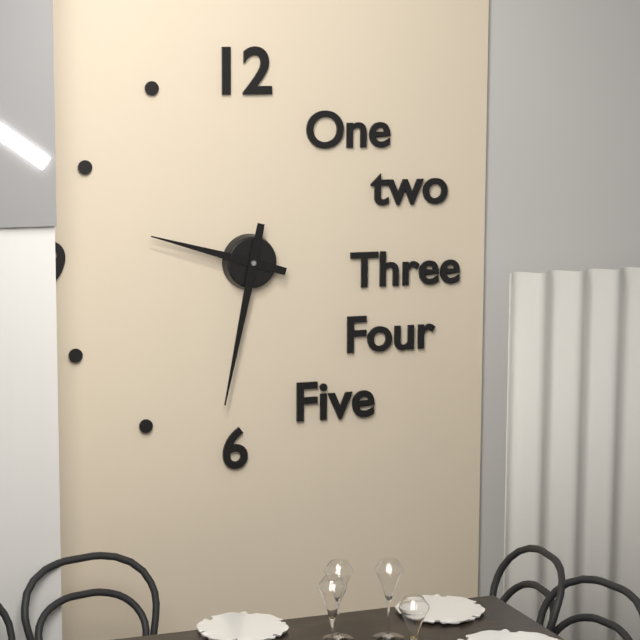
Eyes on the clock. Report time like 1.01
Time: 9.32
